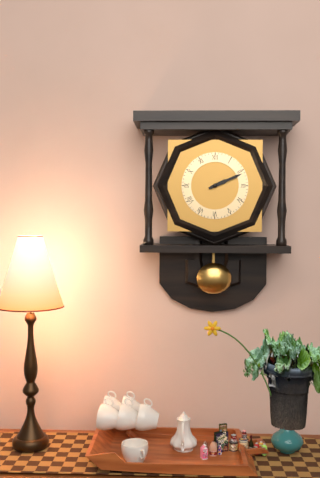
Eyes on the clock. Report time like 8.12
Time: 2.11
